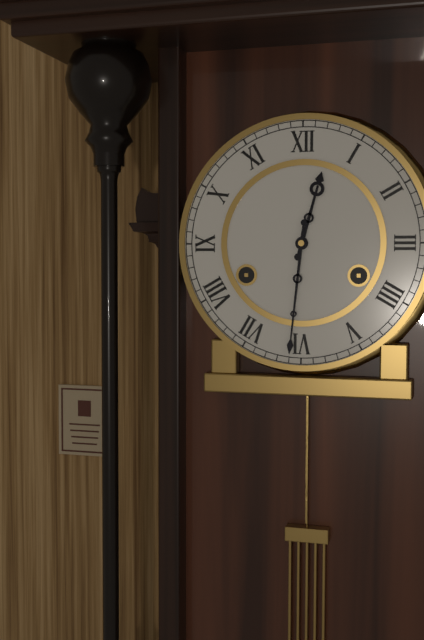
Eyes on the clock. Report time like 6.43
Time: 12.31
